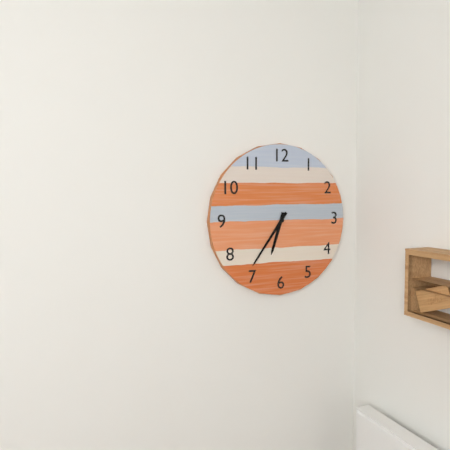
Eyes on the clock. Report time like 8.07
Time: 6.36
